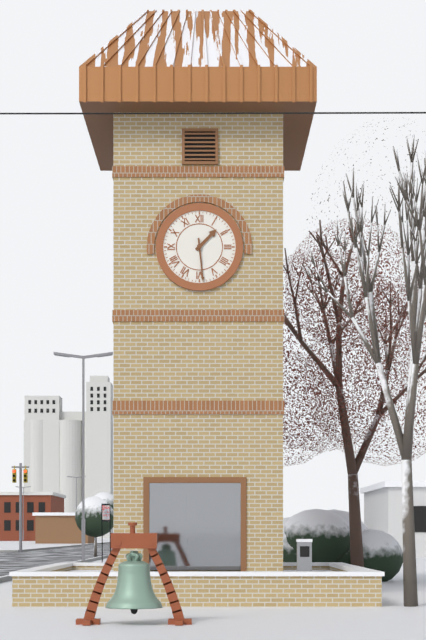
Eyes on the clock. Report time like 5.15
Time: 1.29
